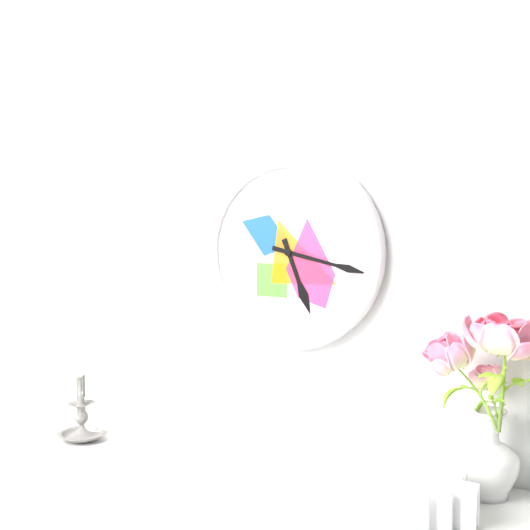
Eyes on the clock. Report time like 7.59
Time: 5.17
